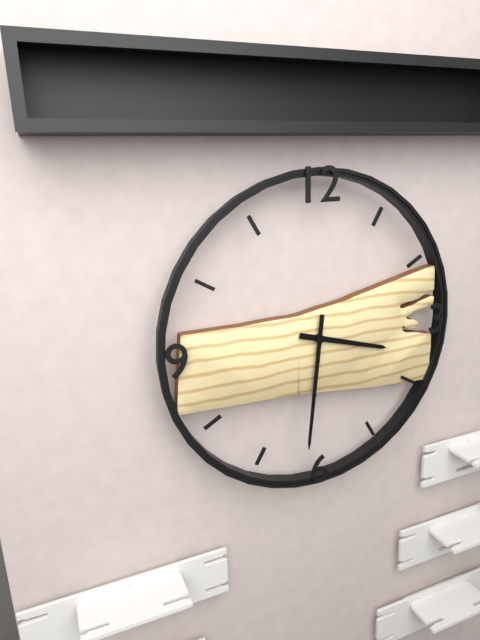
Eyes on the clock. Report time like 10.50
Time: 3.31
